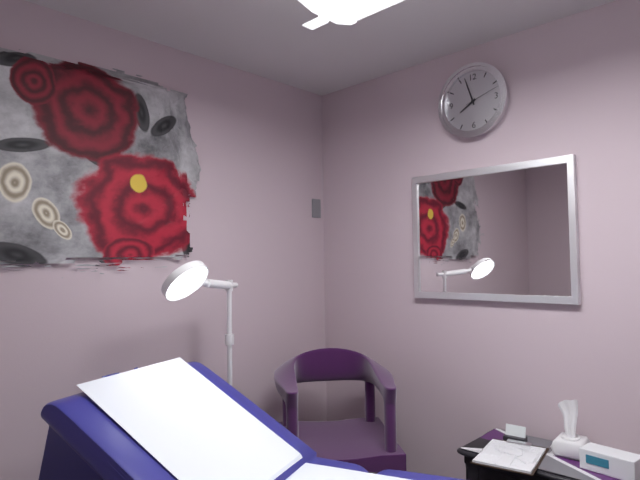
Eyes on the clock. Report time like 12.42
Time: 7.57
